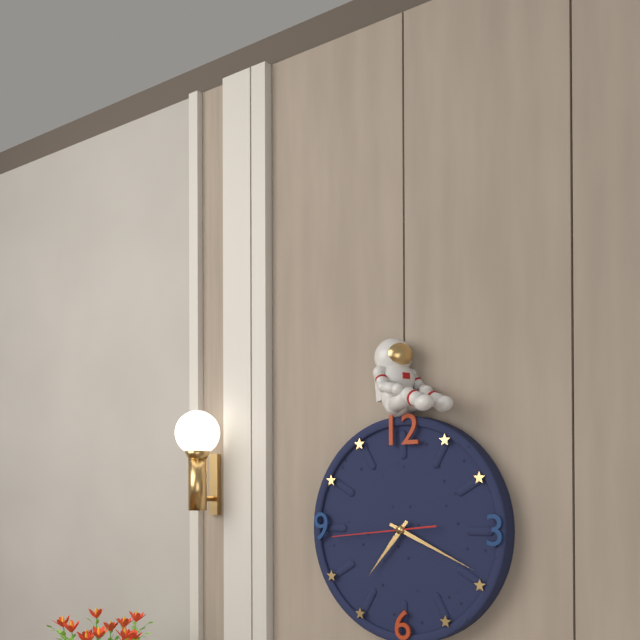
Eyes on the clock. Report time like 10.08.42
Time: 7.19.44
